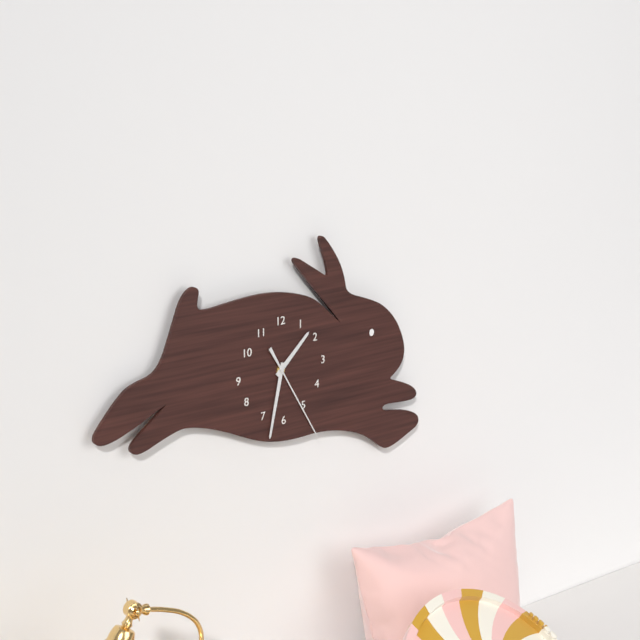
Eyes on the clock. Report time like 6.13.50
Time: 1.32.25
